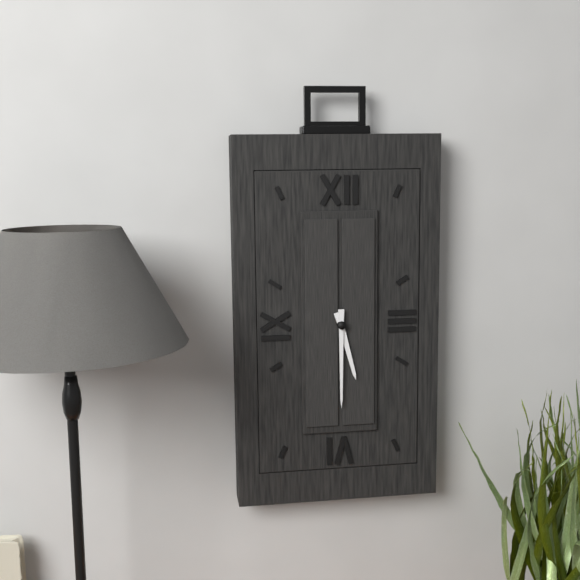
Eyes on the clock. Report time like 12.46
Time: 5.30
